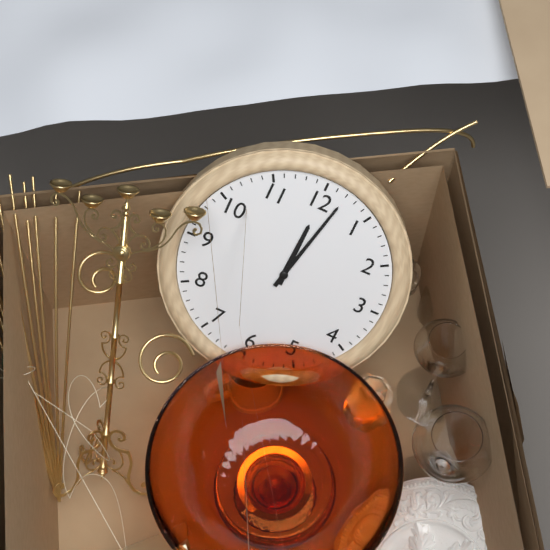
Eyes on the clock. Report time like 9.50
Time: 12.02
